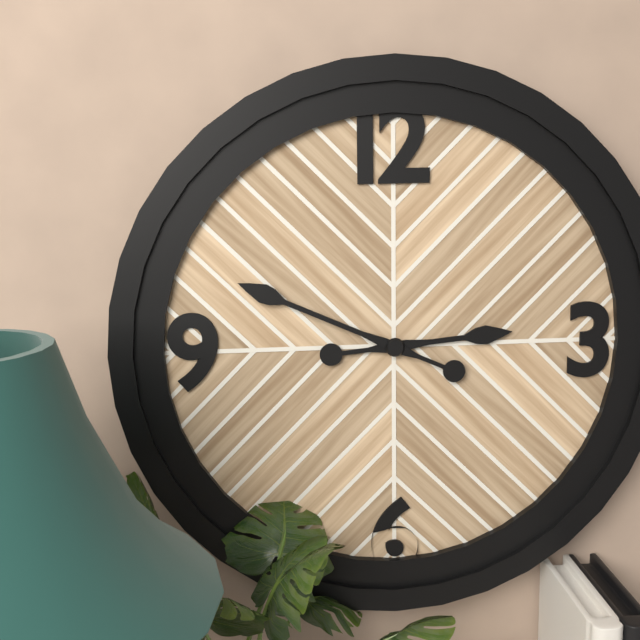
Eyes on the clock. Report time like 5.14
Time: 2.49
